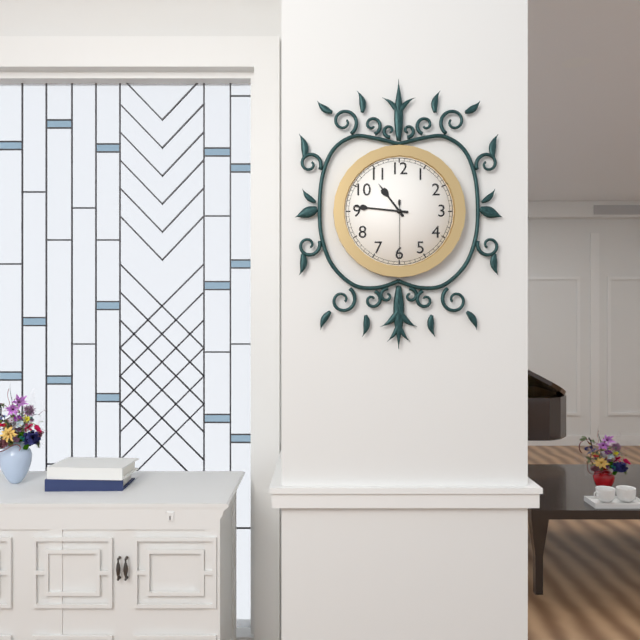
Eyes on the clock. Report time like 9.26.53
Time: 10.46.30
